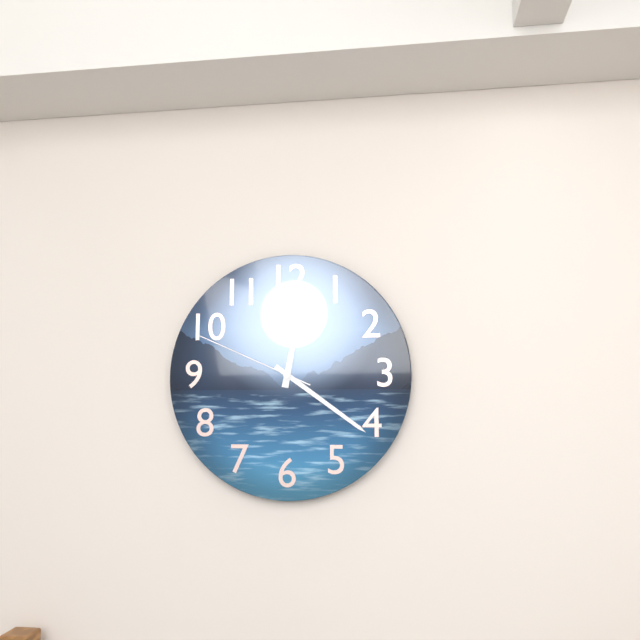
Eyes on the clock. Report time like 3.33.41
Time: 12.21.49
